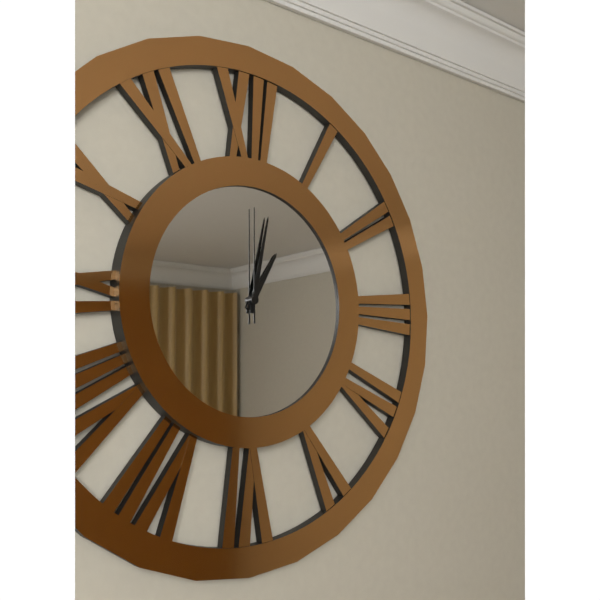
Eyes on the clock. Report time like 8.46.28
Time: 1.02.00
